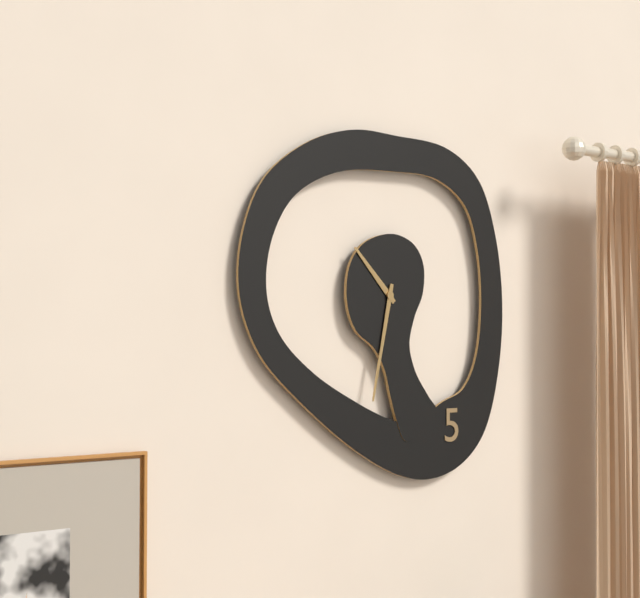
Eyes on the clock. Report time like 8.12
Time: 10.32
